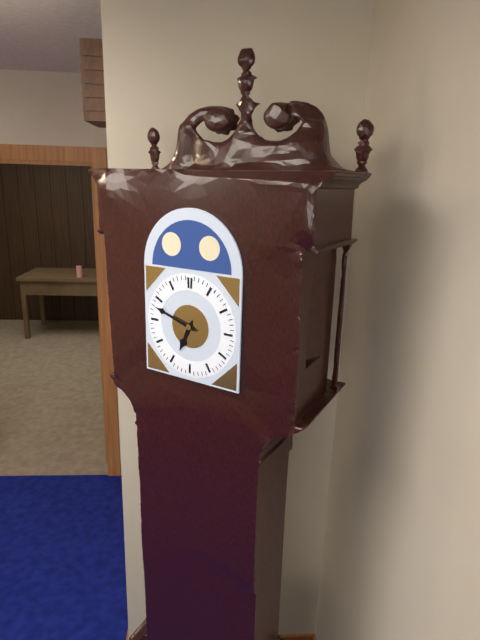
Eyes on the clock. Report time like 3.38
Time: 6.48
